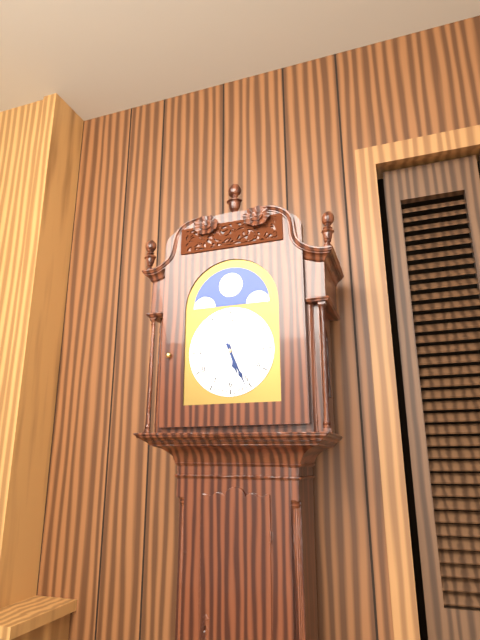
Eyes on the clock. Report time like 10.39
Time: 5.26
